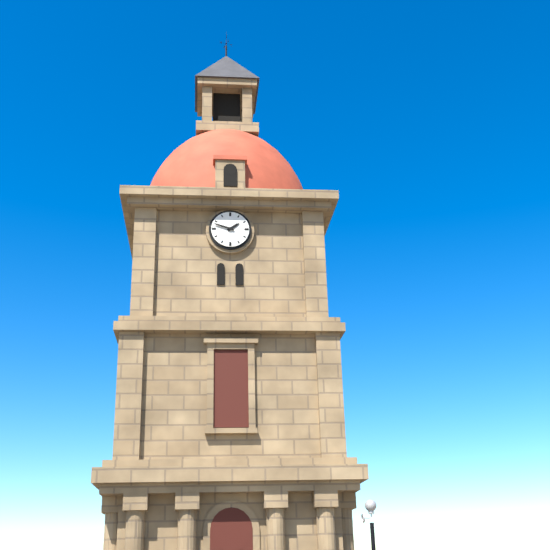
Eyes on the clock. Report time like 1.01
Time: 1.48
